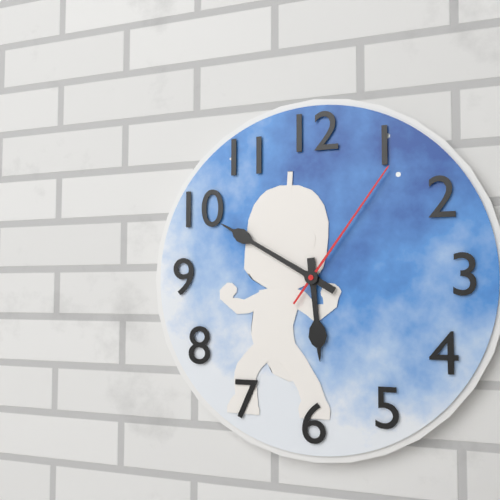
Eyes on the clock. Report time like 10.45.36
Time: 5.50.06
